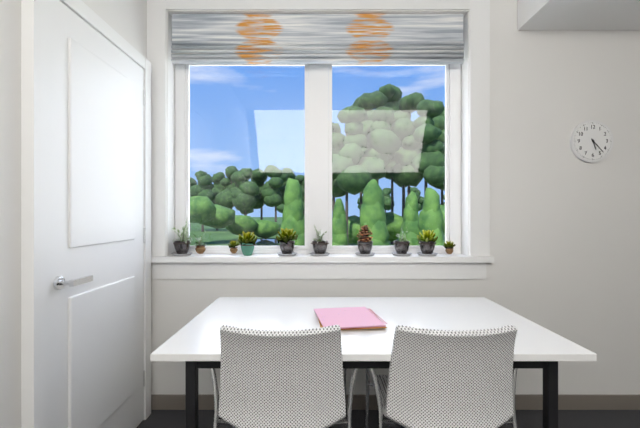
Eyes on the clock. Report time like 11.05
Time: 5.23
